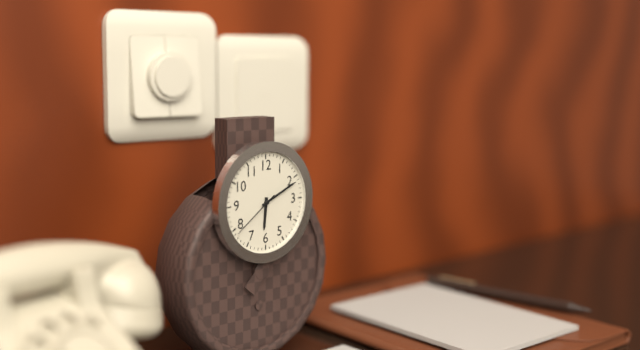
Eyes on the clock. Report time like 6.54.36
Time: 6.11.39
